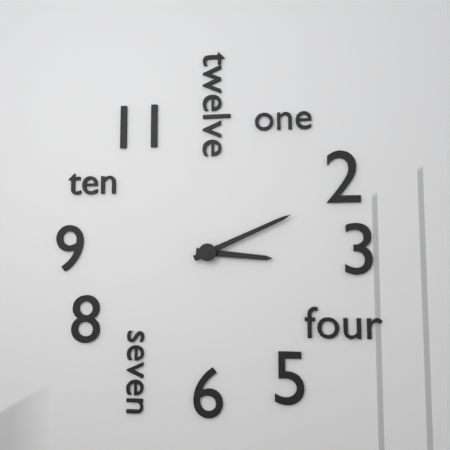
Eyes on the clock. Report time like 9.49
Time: 3.11
